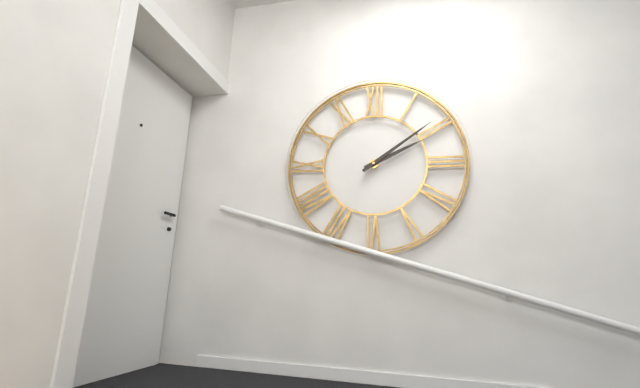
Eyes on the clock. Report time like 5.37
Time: 2.09
